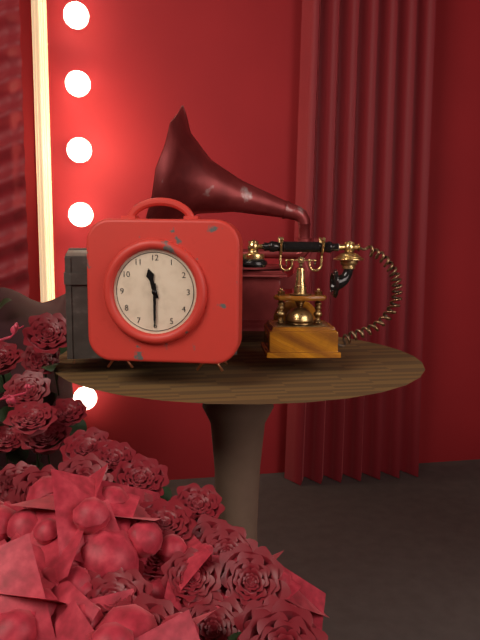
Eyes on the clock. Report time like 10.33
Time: 11.30
